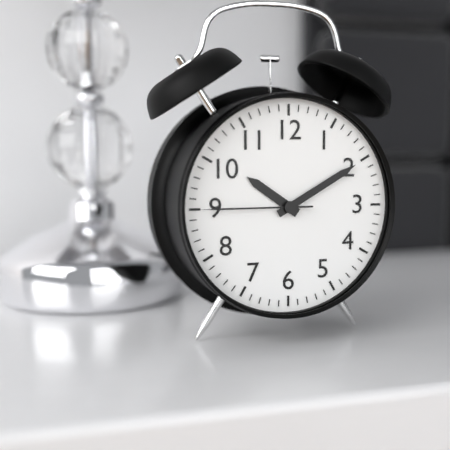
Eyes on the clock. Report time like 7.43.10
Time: 10.10.45
